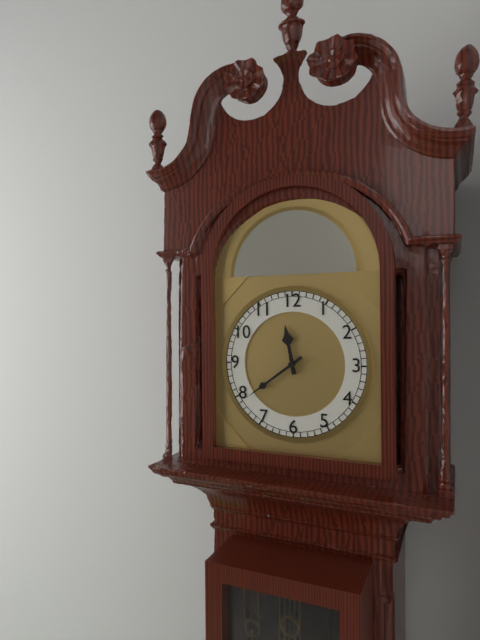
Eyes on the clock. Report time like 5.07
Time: 11.39
